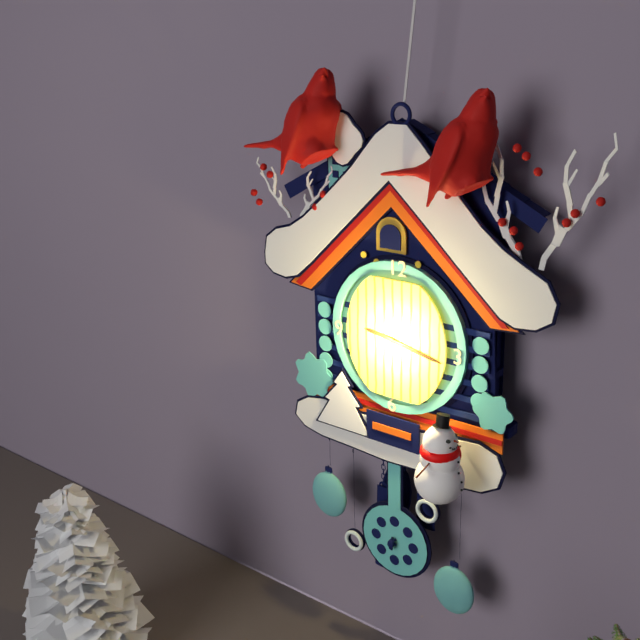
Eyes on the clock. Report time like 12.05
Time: 9.17
